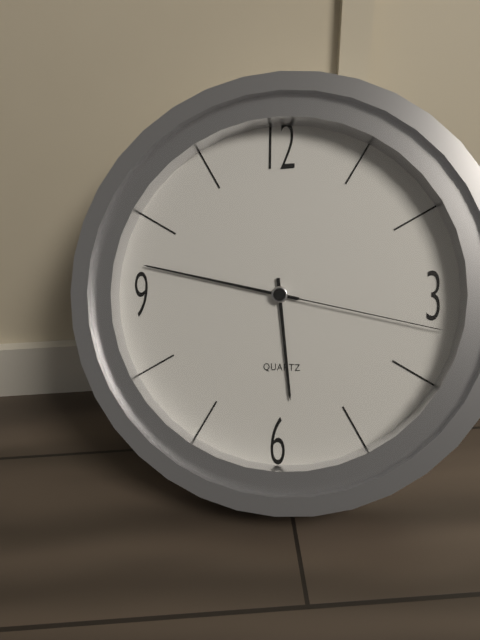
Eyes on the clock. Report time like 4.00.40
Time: 5.47.17
